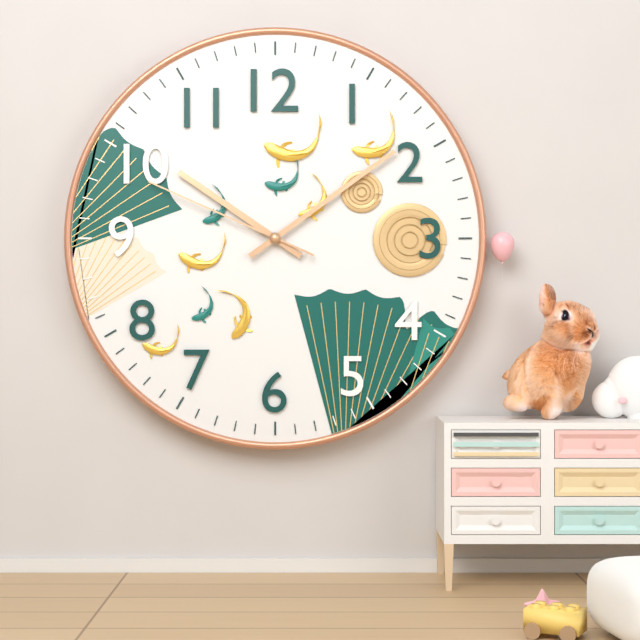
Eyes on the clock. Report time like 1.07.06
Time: 10.09.49
